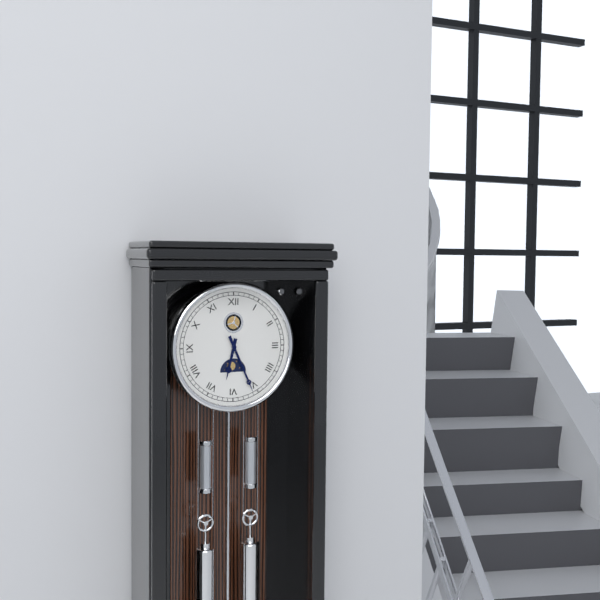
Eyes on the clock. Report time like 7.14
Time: 6.26
